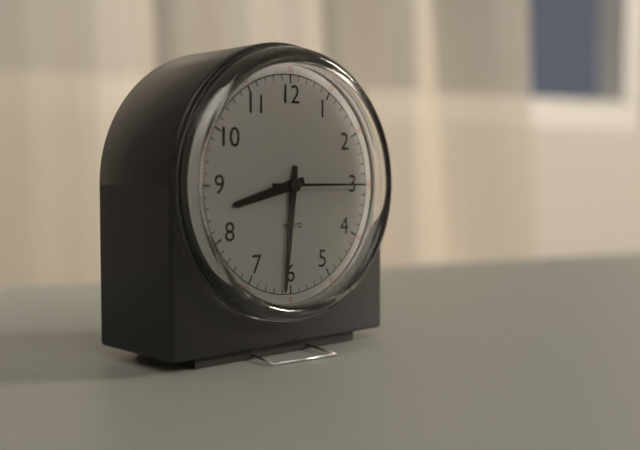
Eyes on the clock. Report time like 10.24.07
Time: 8.31.15
